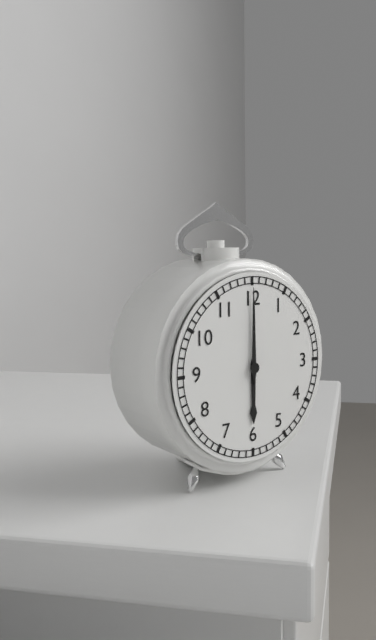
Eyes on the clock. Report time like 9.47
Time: 6.00
